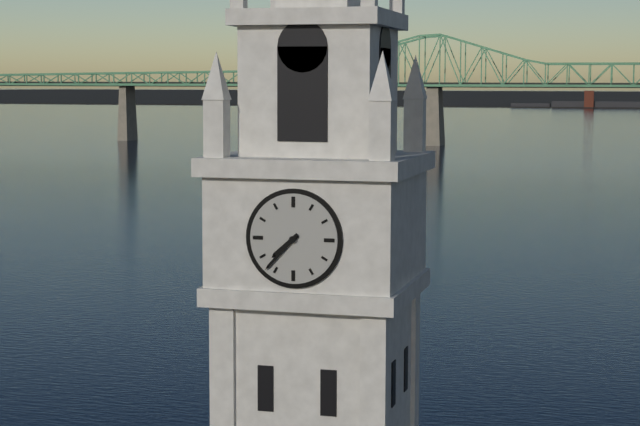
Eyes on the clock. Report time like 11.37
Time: 7.37
